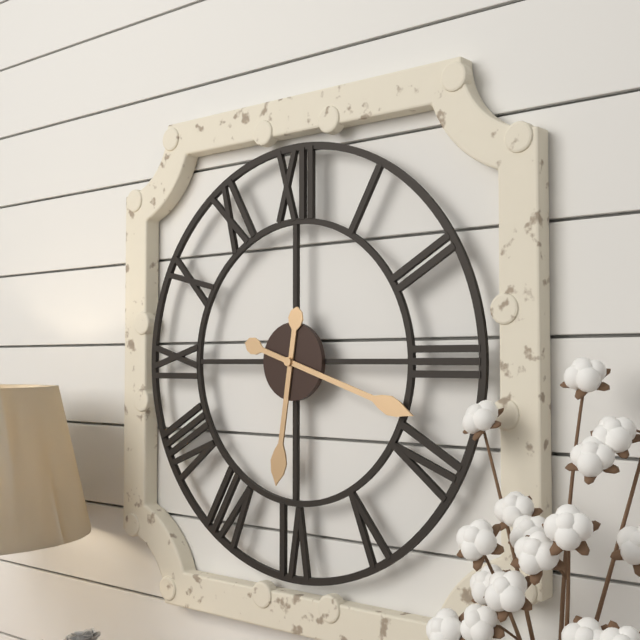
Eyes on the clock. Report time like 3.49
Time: 6.18
